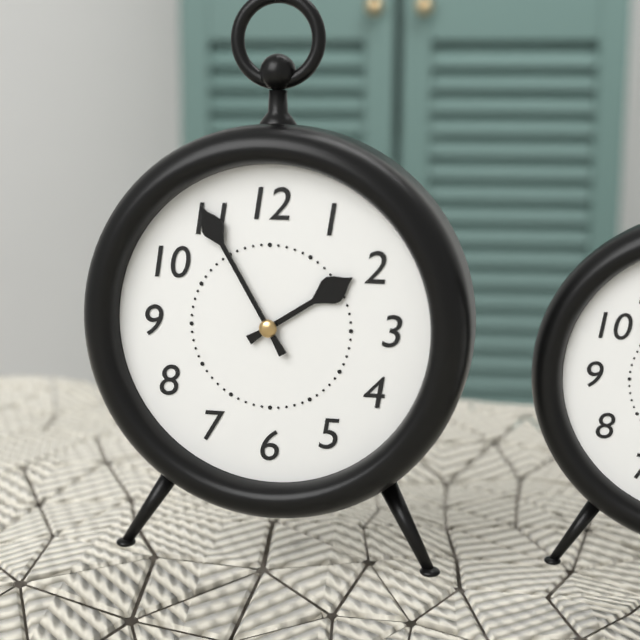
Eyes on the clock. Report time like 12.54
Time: 1.55
